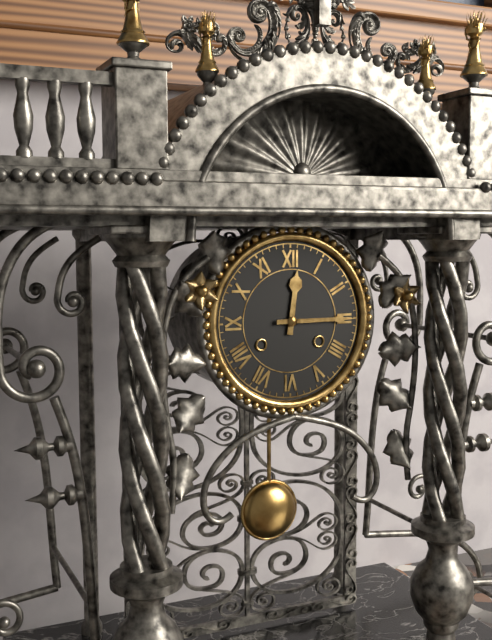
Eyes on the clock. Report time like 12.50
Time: 12.15
